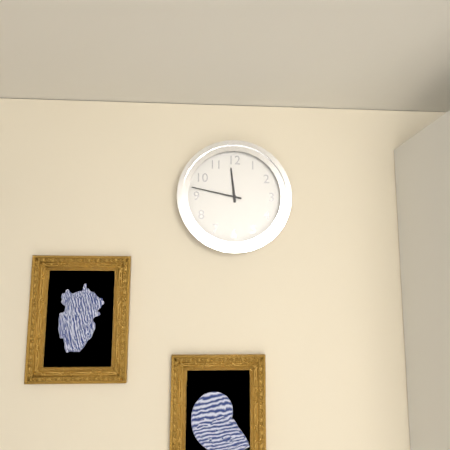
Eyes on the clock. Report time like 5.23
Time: 11.47
